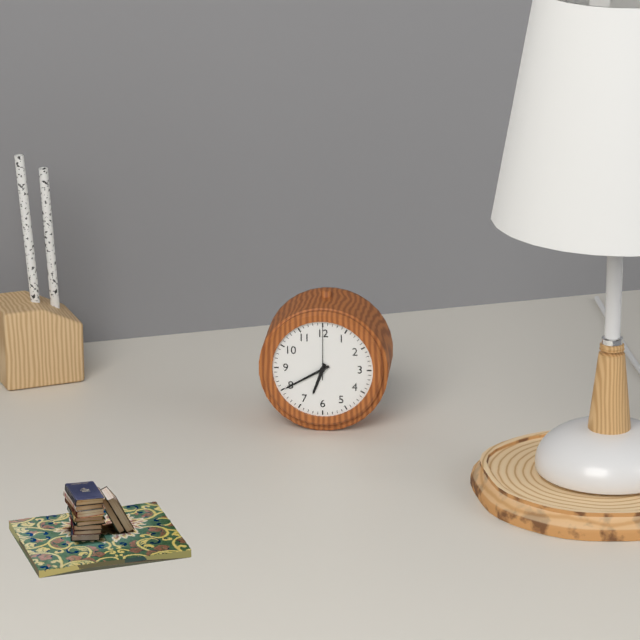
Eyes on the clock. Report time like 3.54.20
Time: 6.40.00
